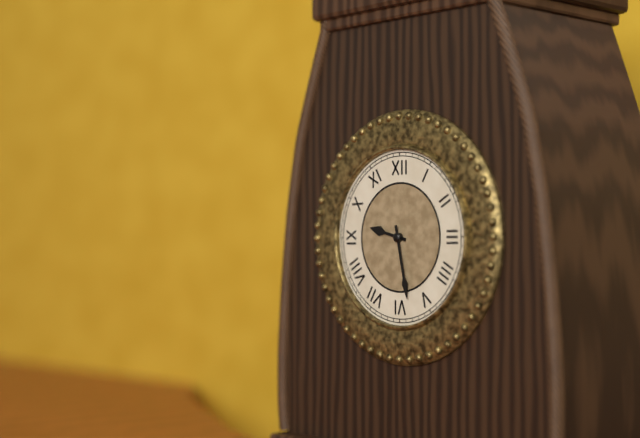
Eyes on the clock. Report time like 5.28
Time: 9.28
